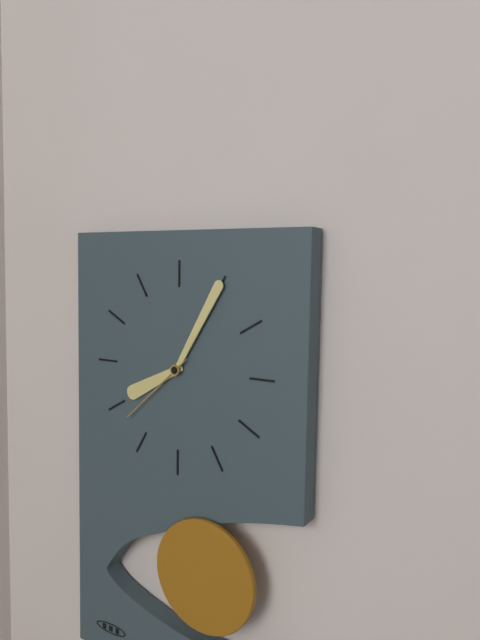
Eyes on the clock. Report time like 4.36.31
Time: 8.05.38
